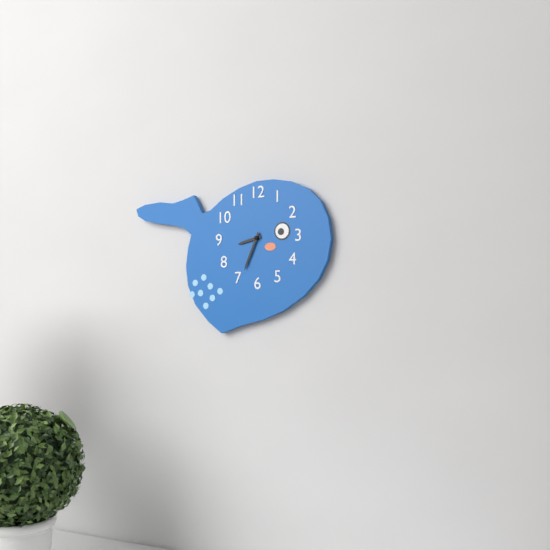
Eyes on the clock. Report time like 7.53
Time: 8.34
